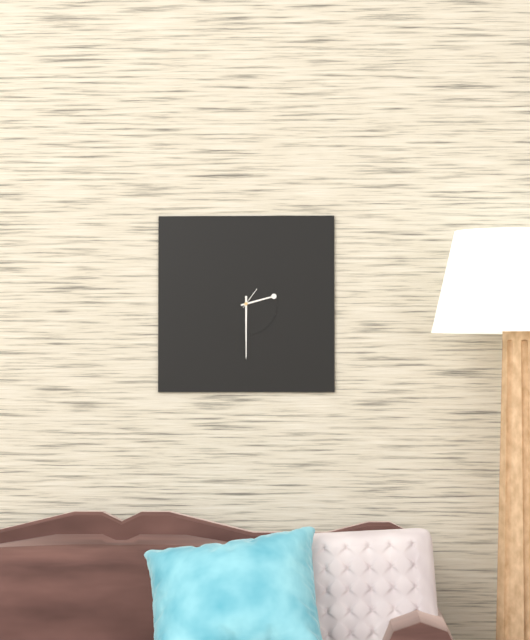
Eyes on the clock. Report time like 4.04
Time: 2.30
